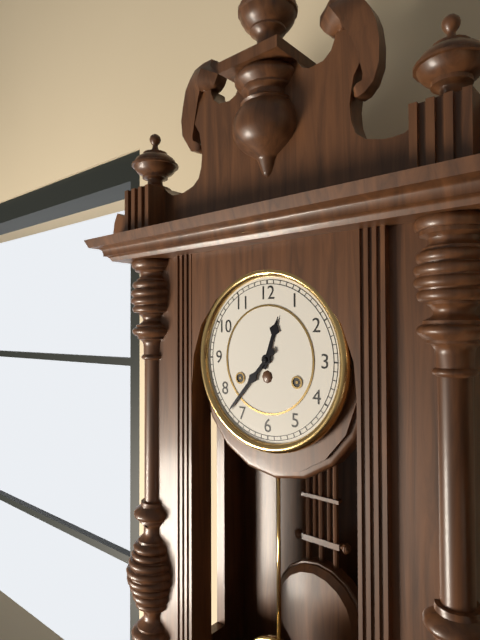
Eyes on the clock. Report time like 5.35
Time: 12.37
